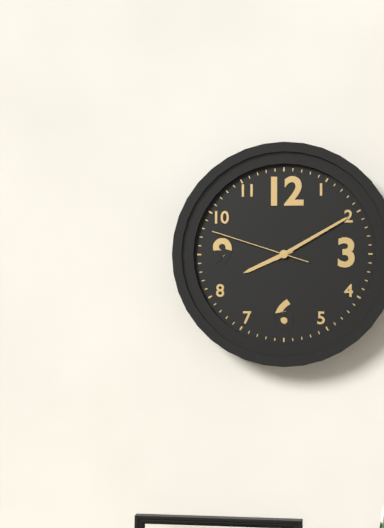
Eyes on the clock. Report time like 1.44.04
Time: 8.10.48
